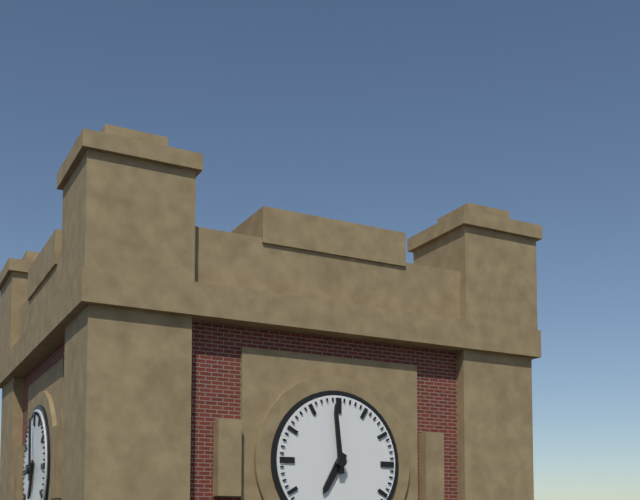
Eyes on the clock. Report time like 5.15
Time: 6.59
